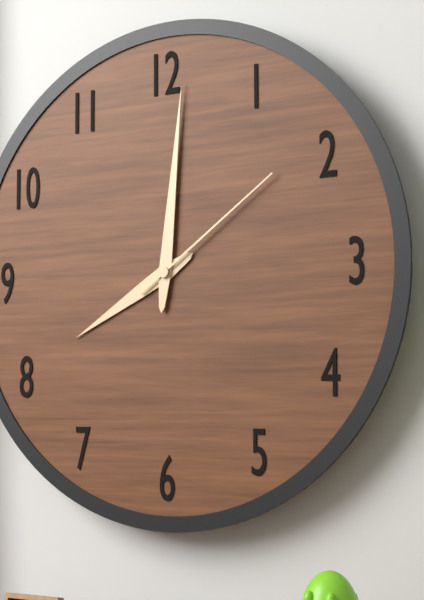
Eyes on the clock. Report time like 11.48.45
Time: 8.01.09
